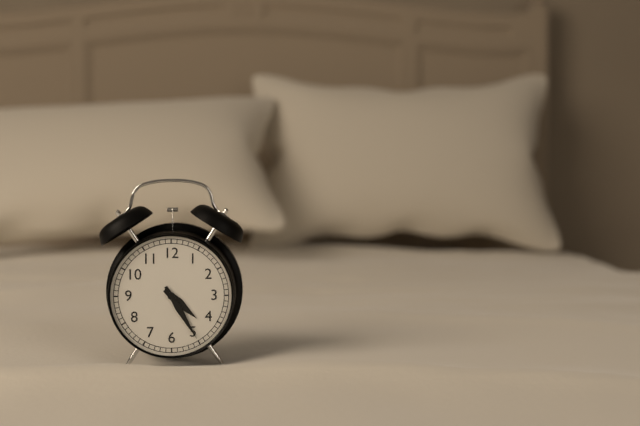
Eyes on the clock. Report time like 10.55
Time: 4.25
